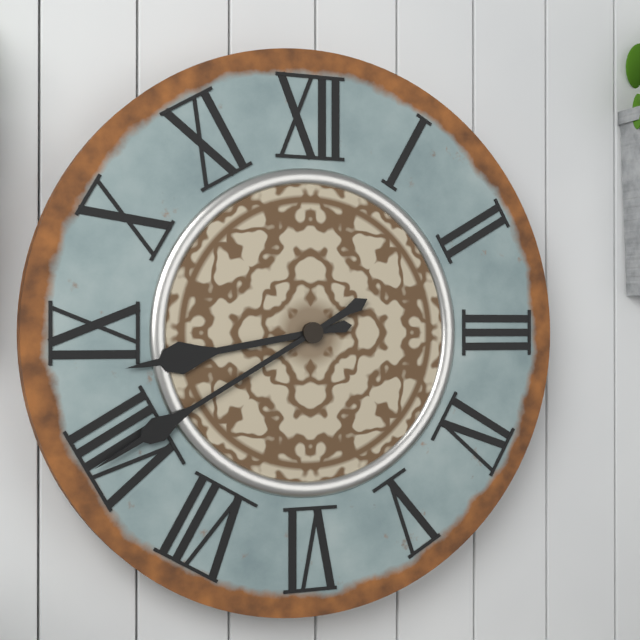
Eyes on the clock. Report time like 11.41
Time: 8.40
